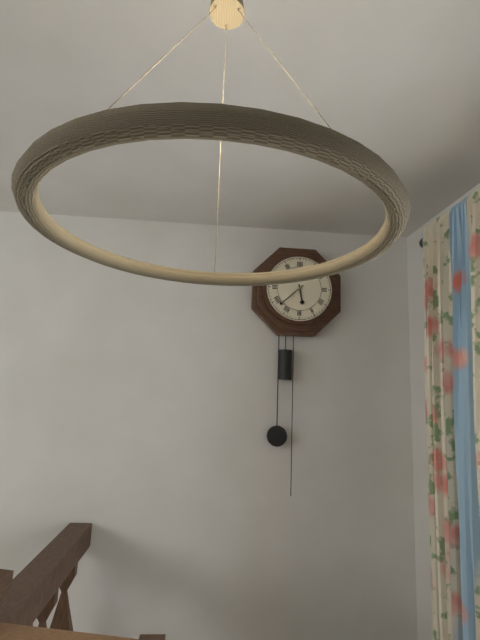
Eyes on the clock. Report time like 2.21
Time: 5.38
